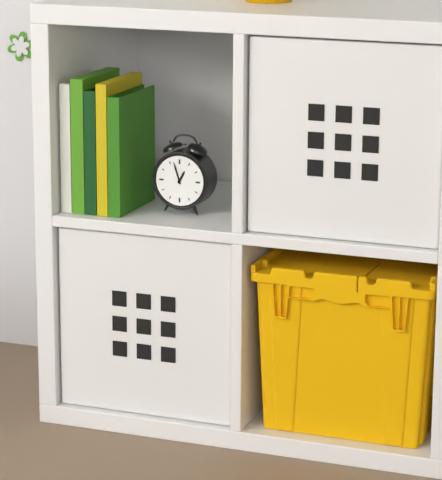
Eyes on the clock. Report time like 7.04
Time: 12.57
